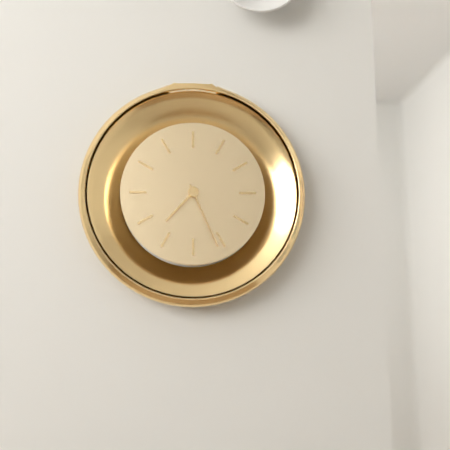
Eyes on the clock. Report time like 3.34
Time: 7.26
